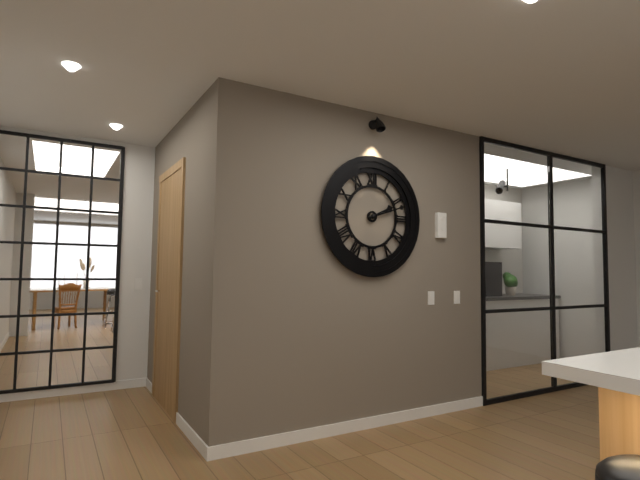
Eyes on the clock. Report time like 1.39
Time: 2.12
